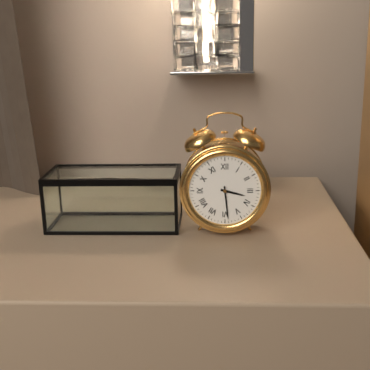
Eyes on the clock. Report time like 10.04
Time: 3.29
